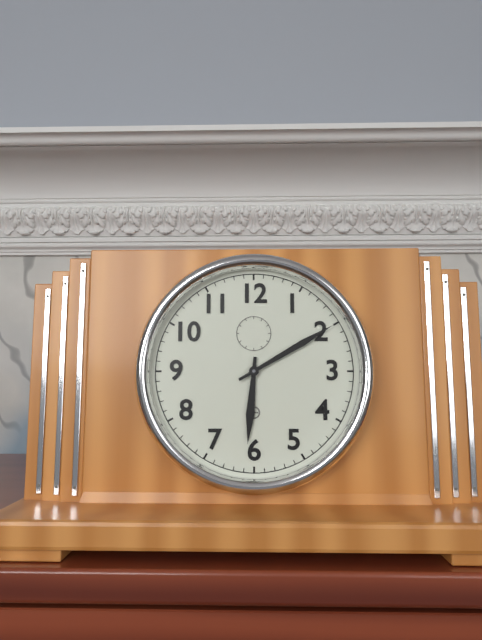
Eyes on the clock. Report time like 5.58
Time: 6.10
